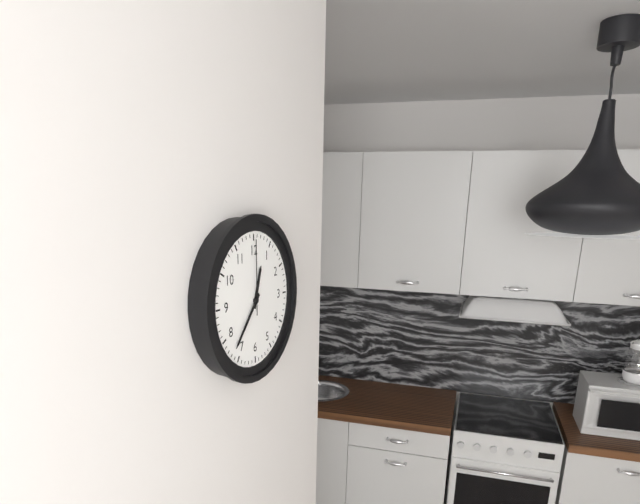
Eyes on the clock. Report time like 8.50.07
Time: 12.37.00
